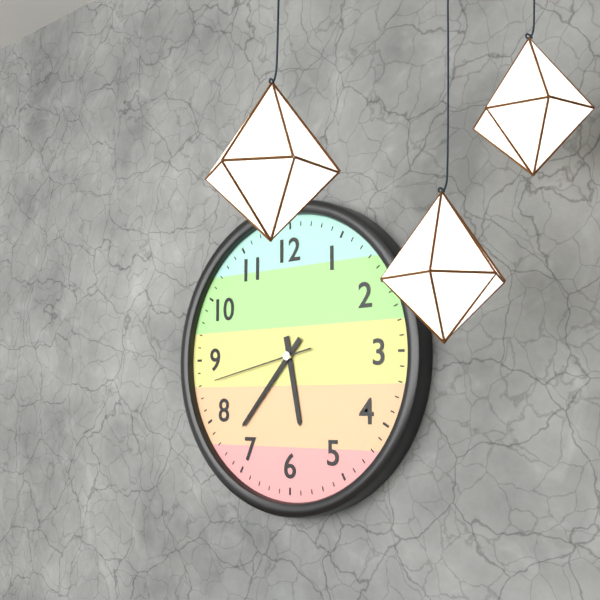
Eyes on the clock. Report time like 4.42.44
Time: 5.37.43
